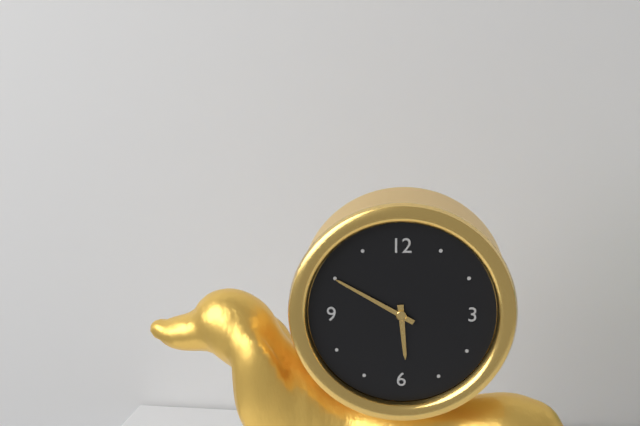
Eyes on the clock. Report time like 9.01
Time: 5.50
